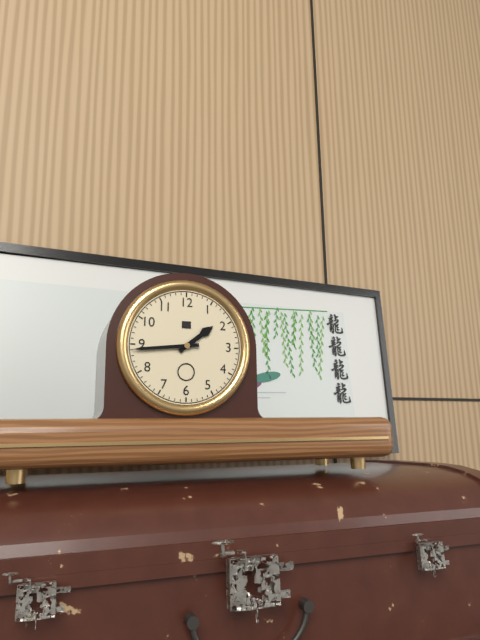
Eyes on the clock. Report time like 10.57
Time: 1.44
